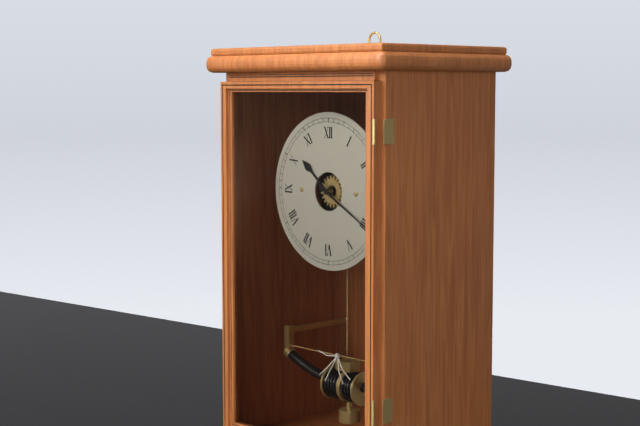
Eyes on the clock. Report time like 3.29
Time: 10.20
